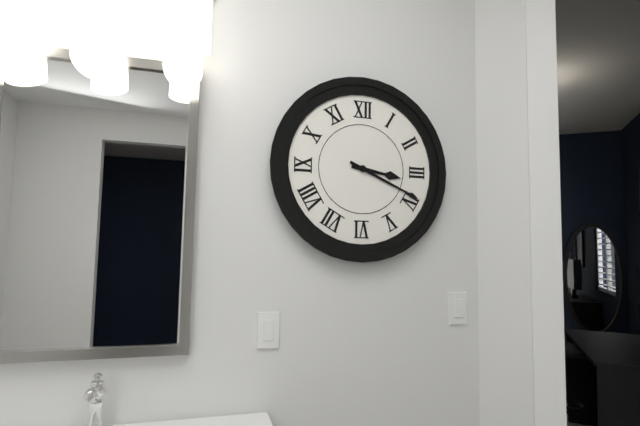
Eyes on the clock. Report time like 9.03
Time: 3.19
